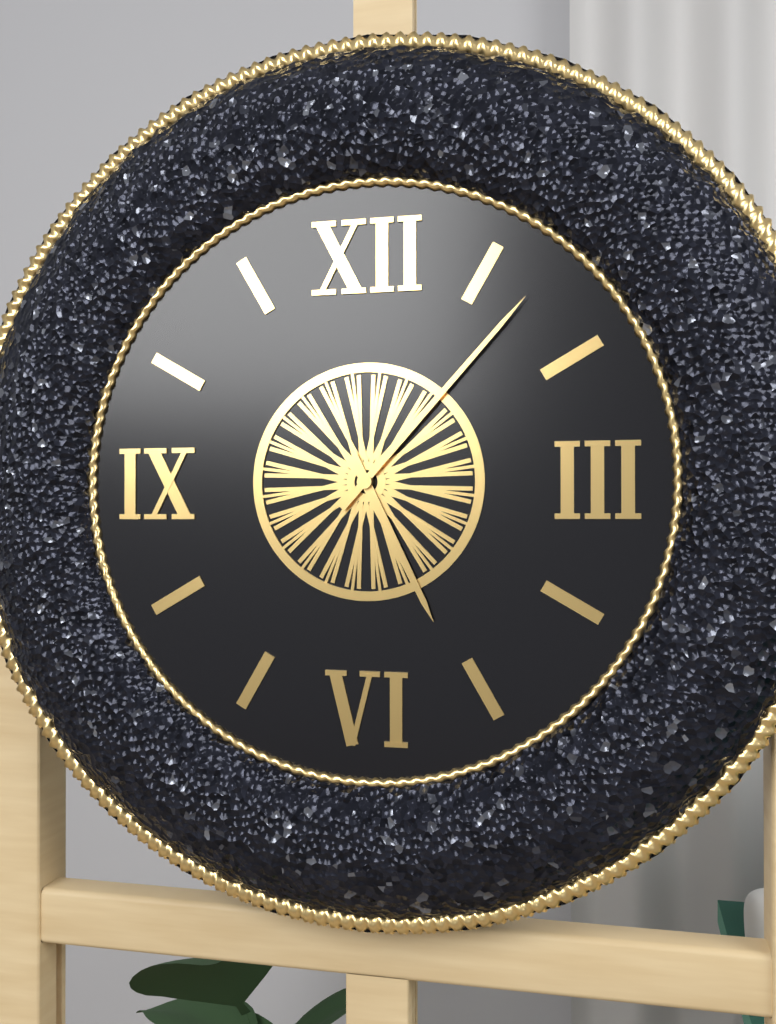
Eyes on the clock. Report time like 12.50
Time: 5.07
